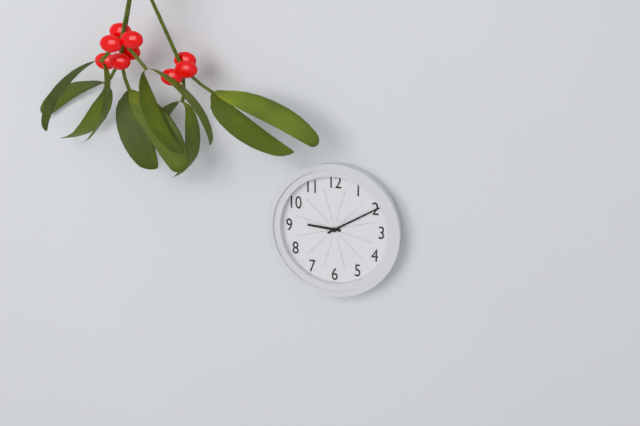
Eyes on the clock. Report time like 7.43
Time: 9.10
